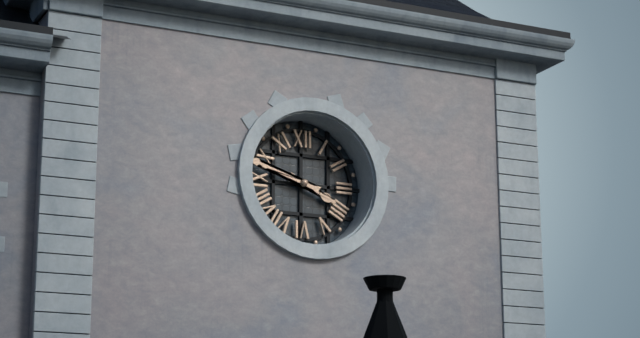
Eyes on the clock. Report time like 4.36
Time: 3.48
